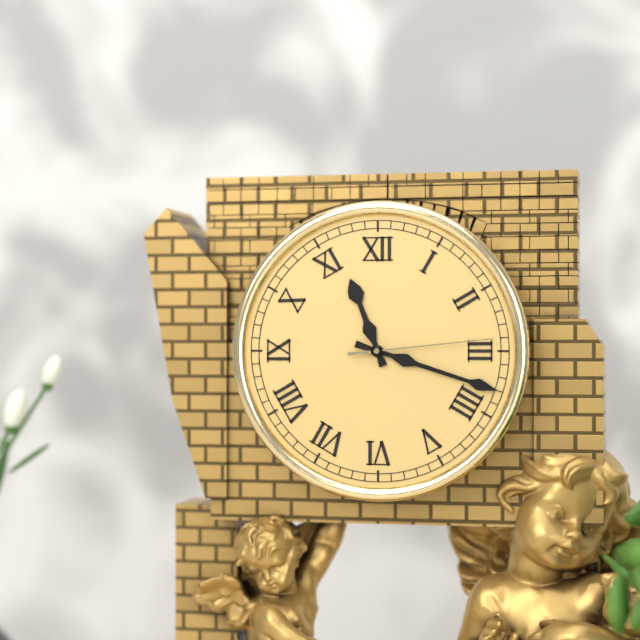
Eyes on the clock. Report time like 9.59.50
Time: 11.18.14
